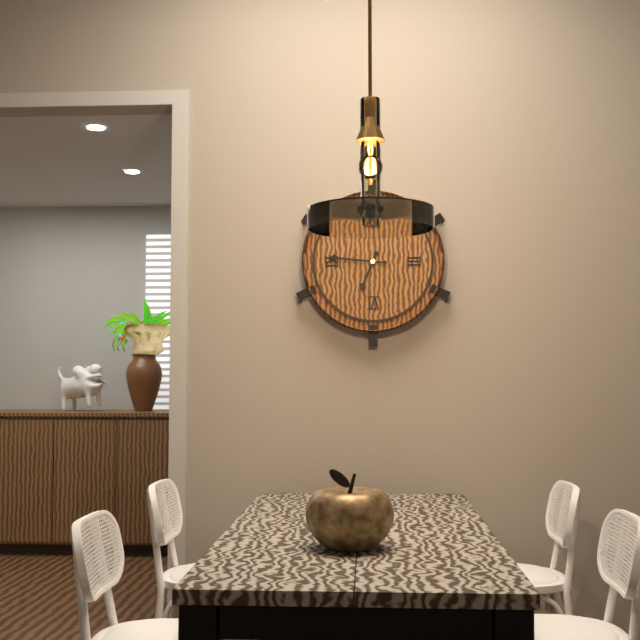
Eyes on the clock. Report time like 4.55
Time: 6.46
